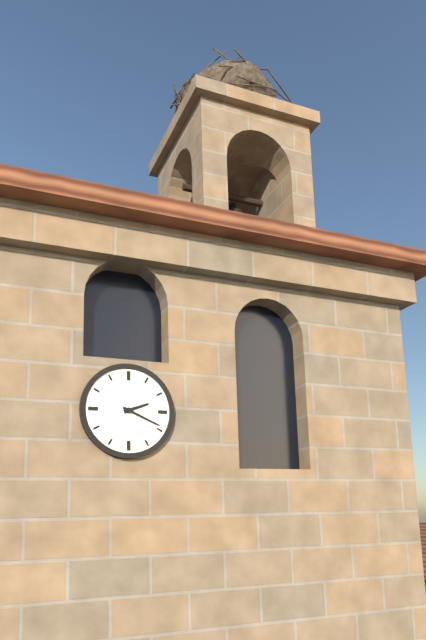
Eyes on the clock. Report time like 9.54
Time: 2.19
